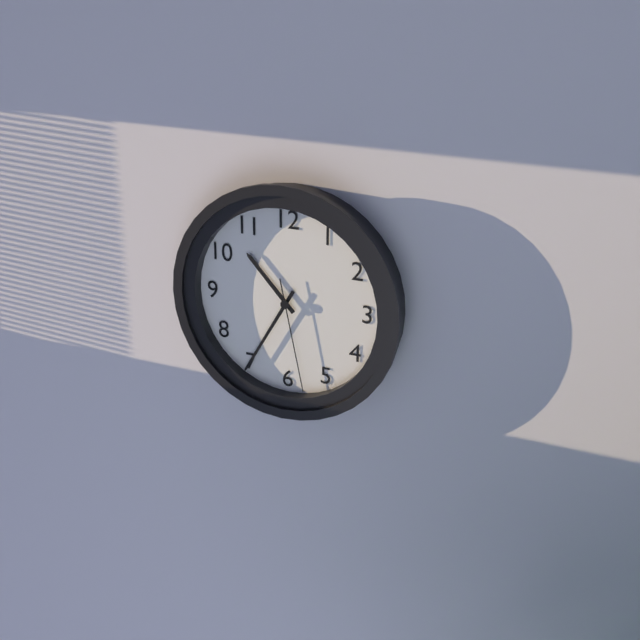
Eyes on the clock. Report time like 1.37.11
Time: 10.35.28
